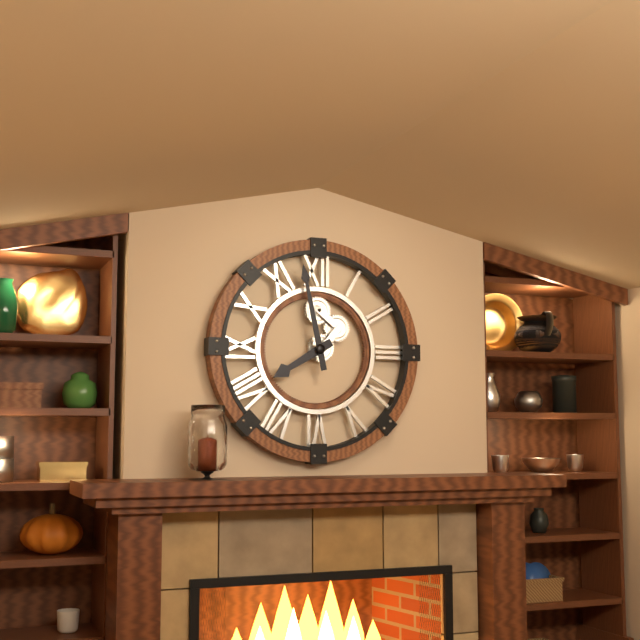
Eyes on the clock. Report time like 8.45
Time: 7.58
